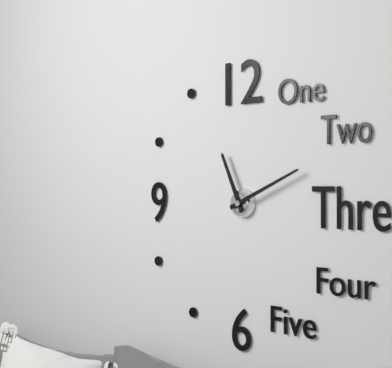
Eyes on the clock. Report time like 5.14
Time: 11.11
